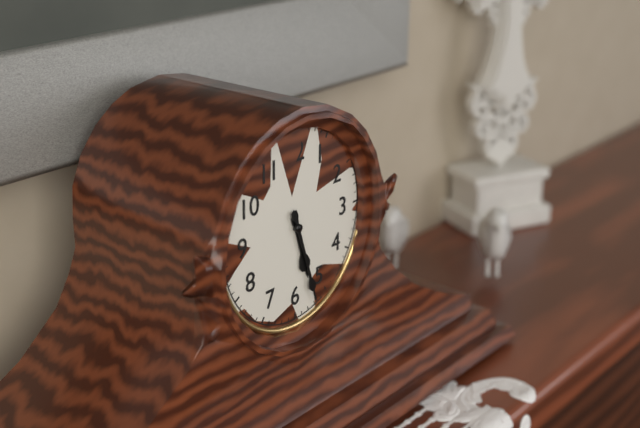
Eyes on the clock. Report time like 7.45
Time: 5.27
